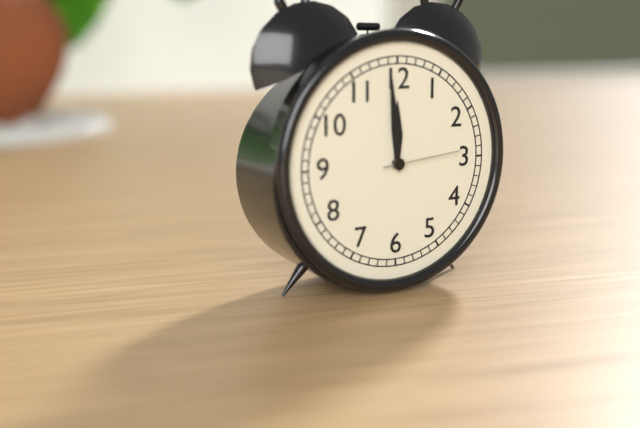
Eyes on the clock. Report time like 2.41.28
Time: 11.59.14
